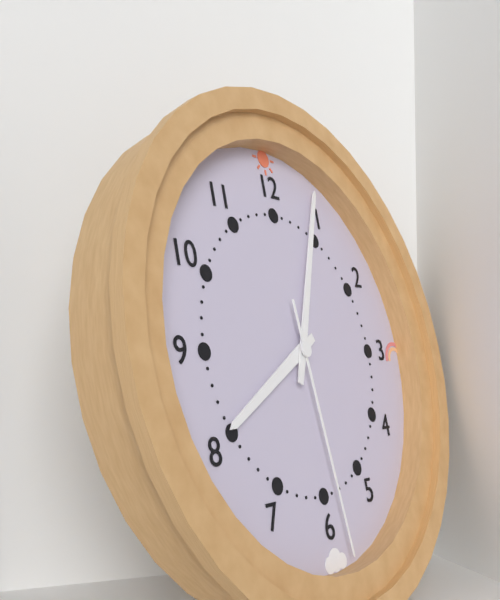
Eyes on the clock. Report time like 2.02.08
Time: 8.04.29
